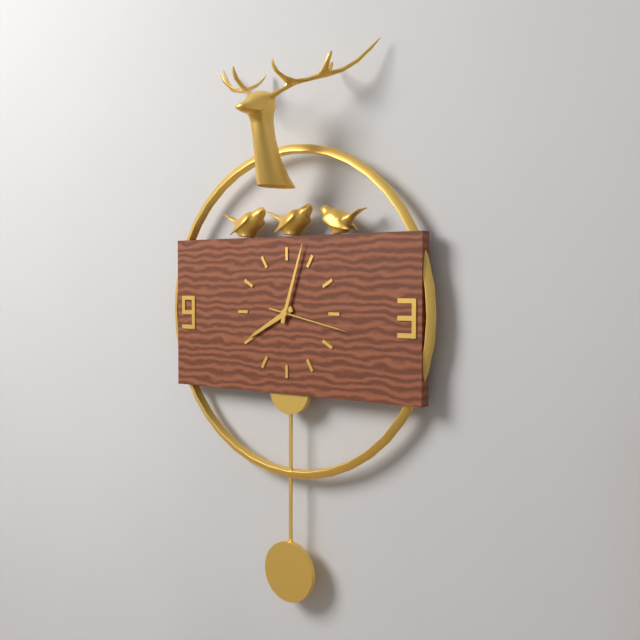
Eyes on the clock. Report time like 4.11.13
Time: 8.03.17
